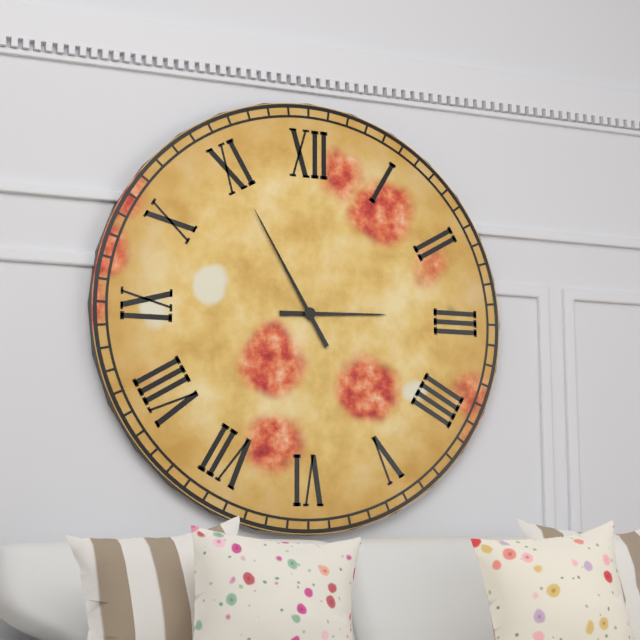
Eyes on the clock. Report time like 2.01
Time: 2.55
